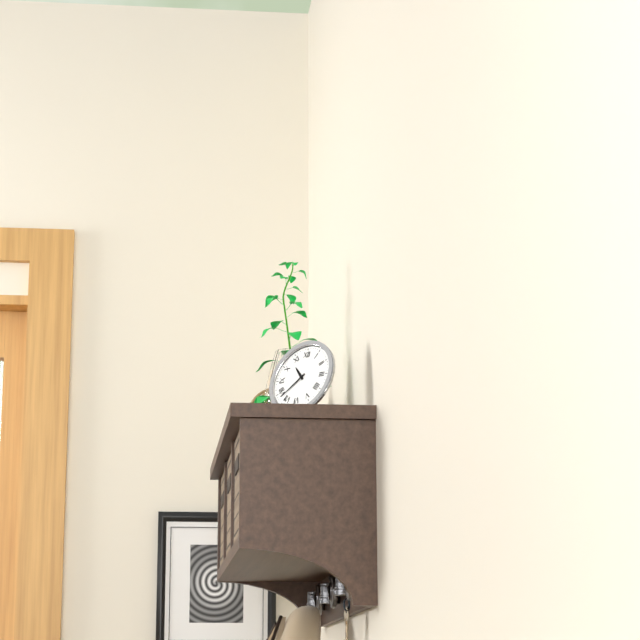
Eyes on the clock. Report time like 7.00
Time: 10.38
